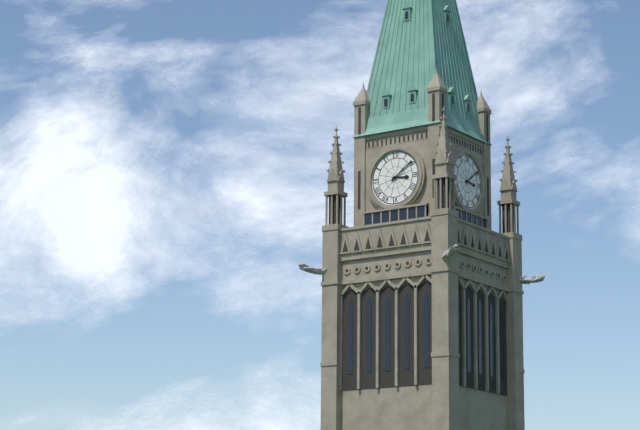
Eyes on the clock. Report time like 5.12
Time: 3.09
